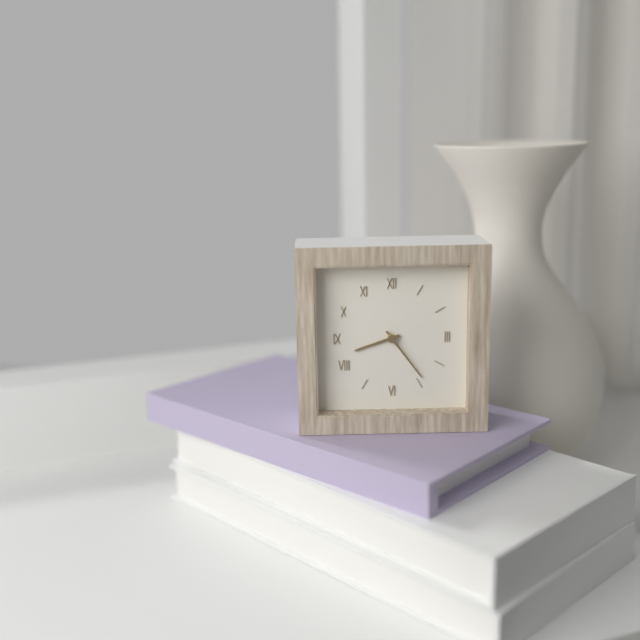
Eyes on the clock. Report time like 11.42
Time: 8.24
